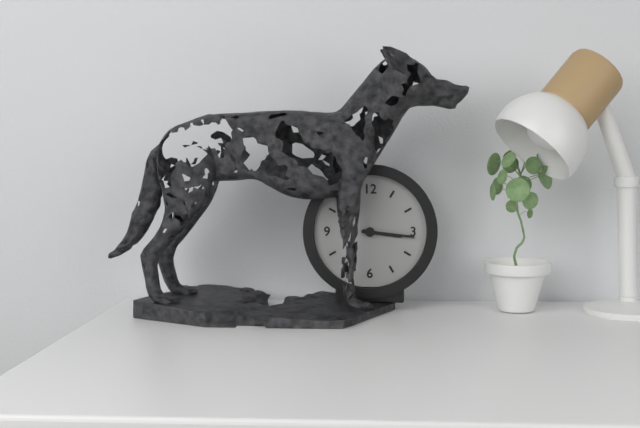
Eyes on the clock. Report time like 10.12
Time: 3.16
